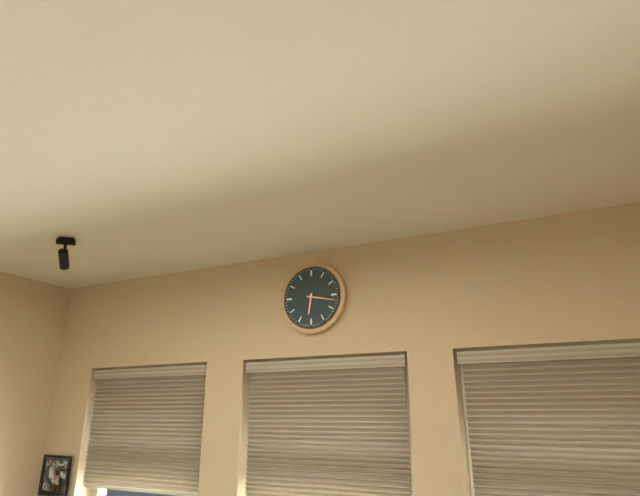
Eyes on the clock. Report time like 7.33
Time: 6.17
